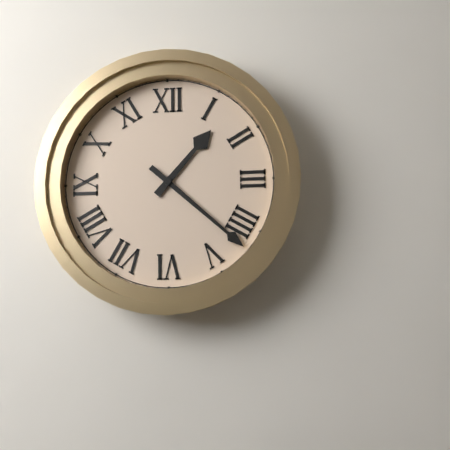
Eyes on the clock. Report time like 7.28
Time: 1.22
